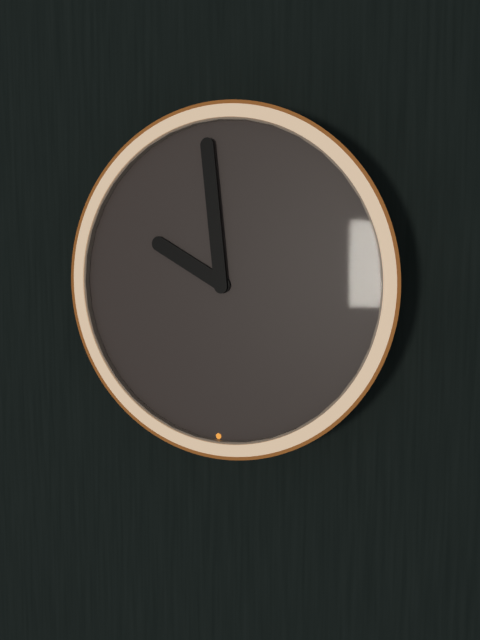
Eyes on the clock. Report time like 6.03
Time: 9.59
